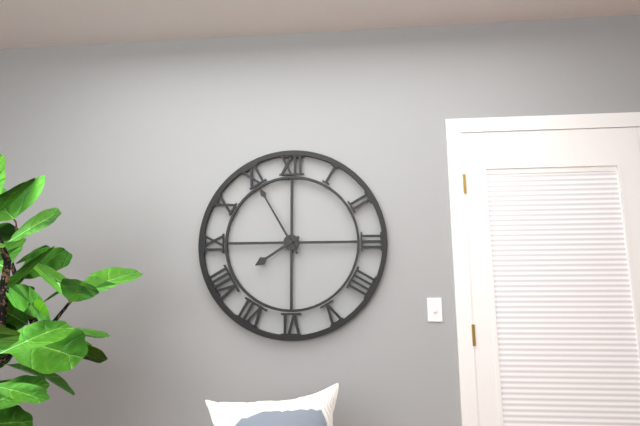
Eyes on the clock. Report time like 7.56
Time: 7.55
